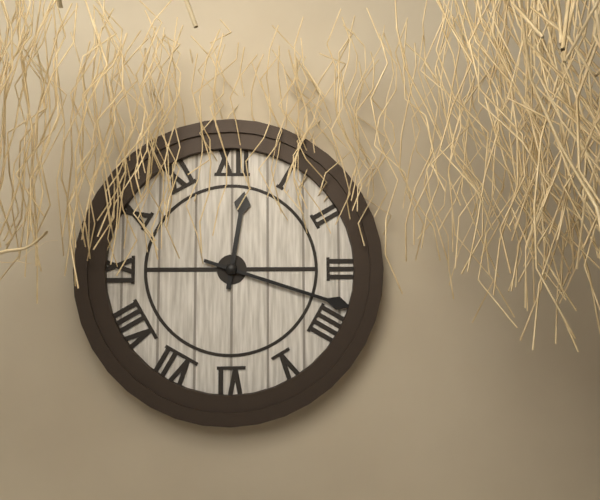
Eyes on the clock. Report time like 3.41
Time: 12.18
